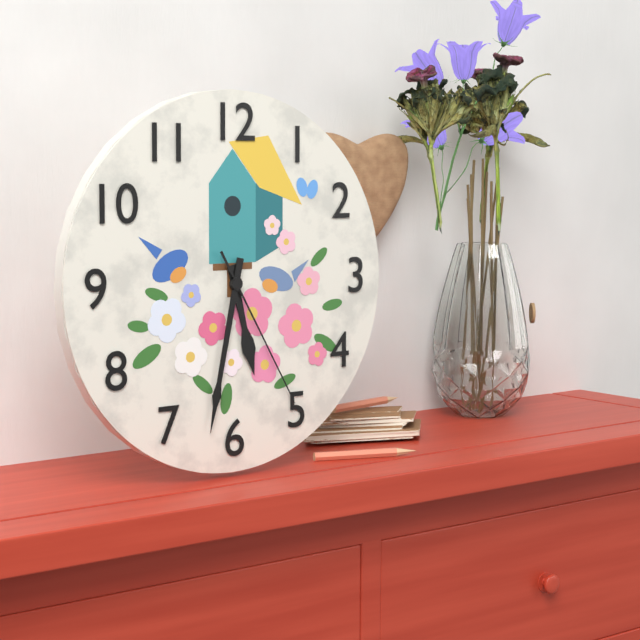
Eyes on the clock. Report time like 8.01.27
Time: 5.32.25
